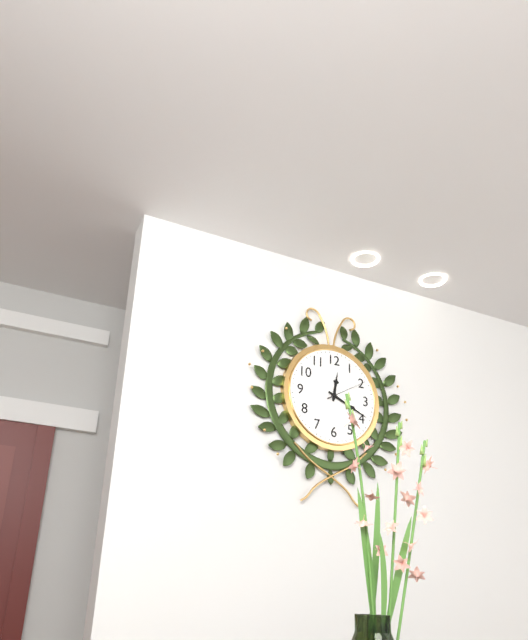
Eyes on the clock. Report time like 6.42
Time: 12.19
